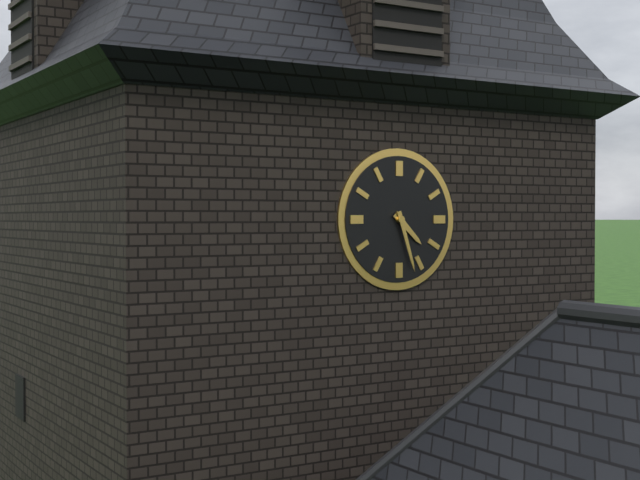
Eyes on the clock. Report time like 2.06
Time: 4.27
